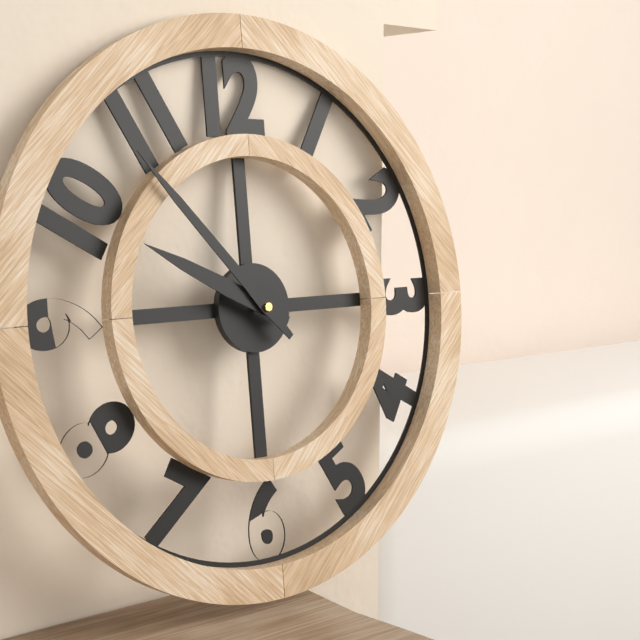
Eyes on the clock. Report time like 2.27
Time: 9.53
